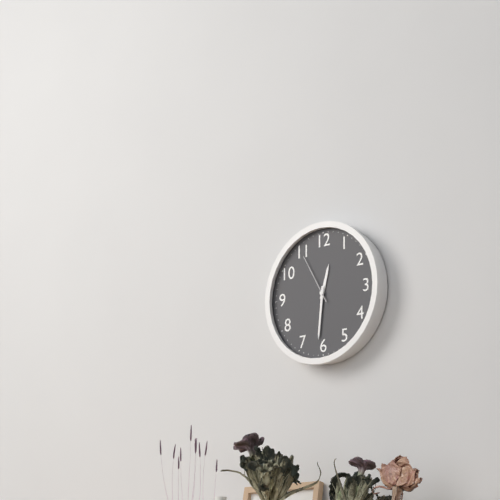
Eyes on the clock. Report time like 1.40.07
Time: 12.31.55
